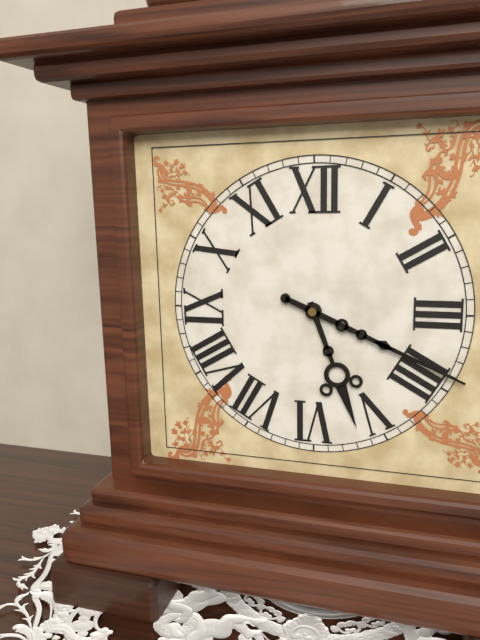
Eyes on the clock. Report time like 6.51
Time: 5.19
